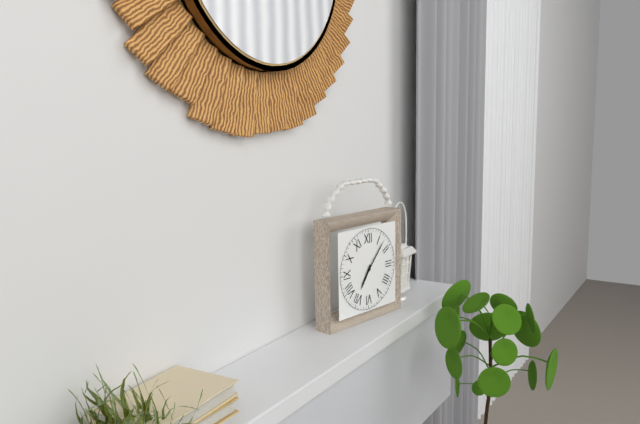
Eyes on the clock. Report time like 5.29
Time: 7.07
